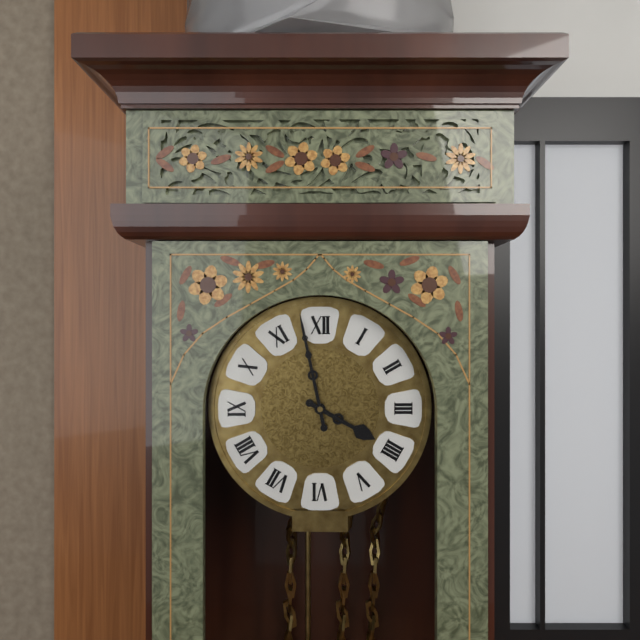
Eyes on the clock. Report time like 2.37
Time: 3.58
